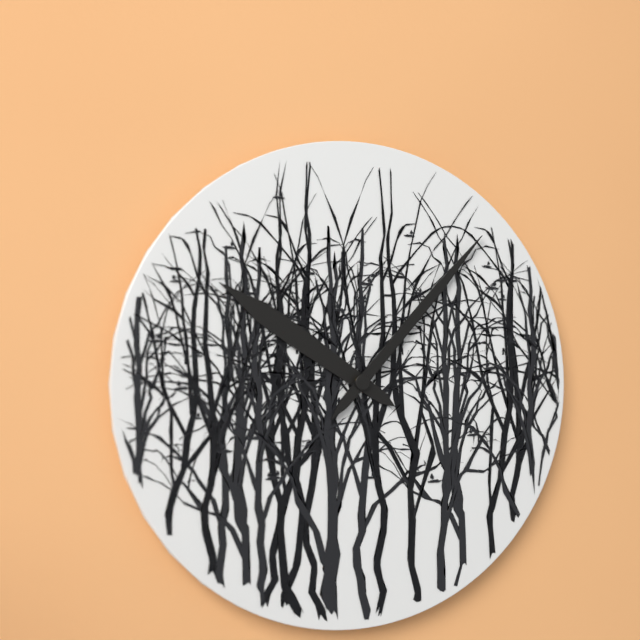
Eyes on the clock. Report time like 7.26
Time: 10.07
